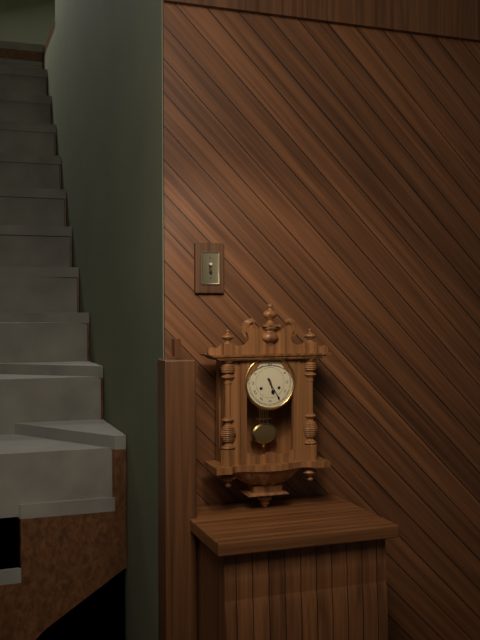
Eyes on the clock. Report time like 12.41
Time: 5.25
